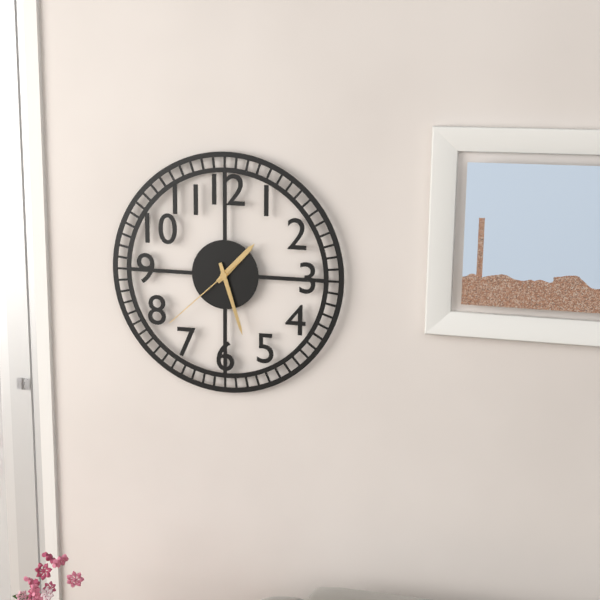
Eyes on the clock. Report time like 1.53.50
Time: 1.27.38
